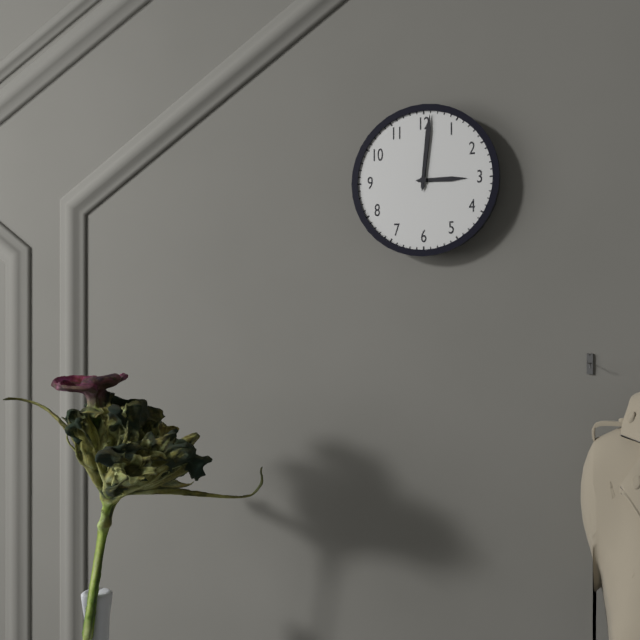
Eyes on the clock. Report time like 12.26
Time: 3.01
